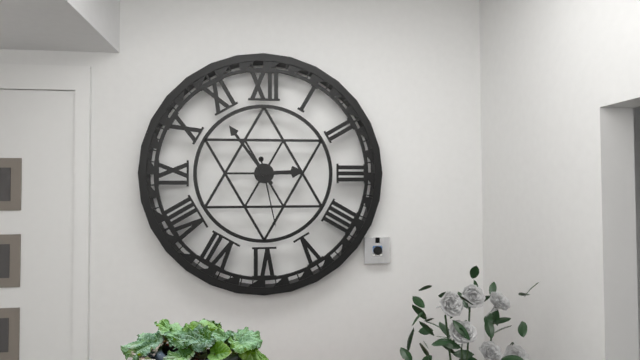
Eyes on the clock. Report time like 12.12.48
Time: 2.54.28
